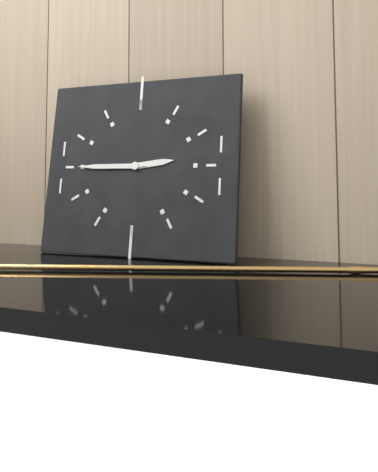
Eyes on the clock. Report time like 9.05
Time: 2.45
